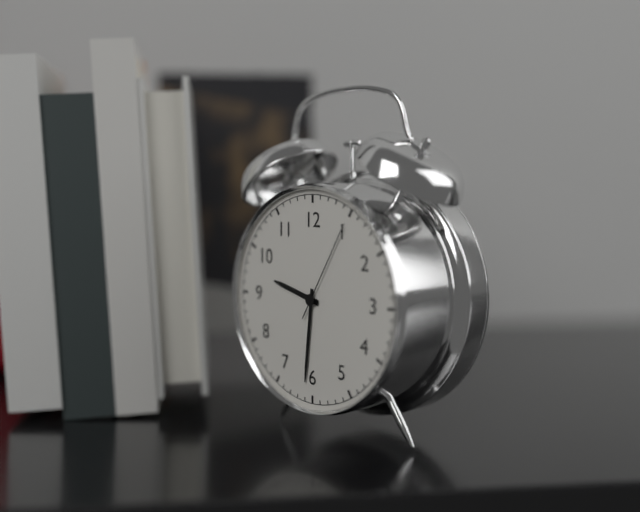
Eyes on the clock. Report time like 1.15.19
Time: 9.31.05
